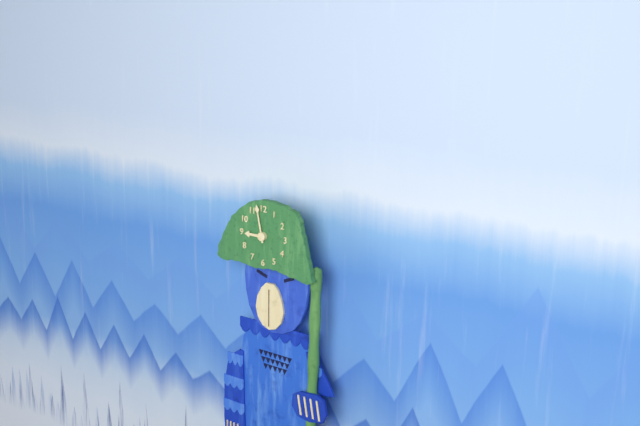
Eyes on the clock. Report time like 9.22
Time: 8.58
